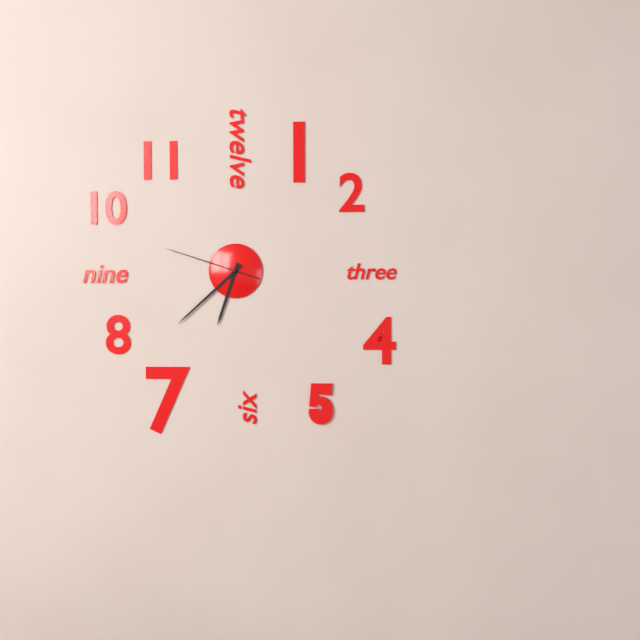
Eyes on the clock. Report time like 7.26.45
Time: 6.38.48
